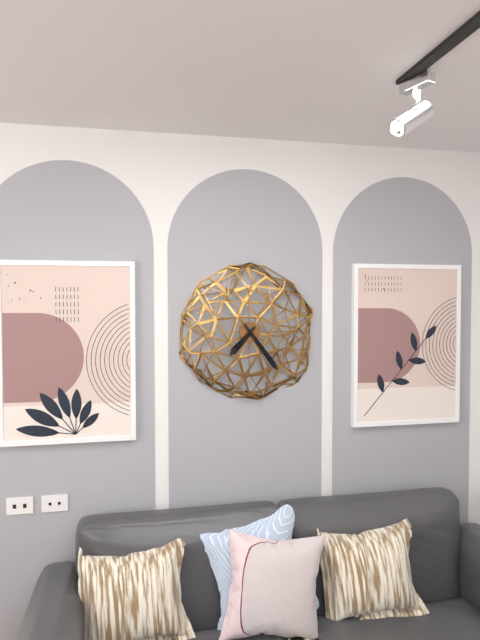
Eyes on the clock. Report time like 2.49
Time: 7.24
